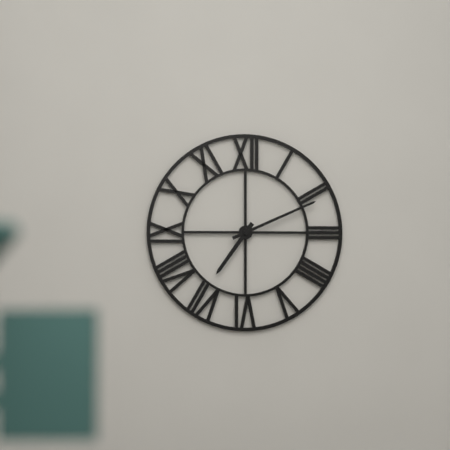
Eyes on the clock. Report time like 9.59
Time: 7.11
